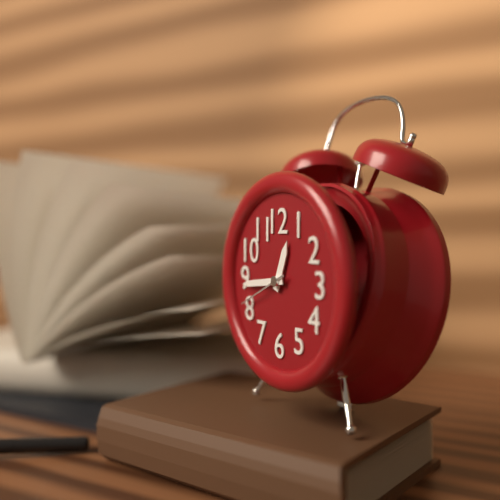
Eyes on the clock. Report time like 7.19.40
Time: 12.44.41
